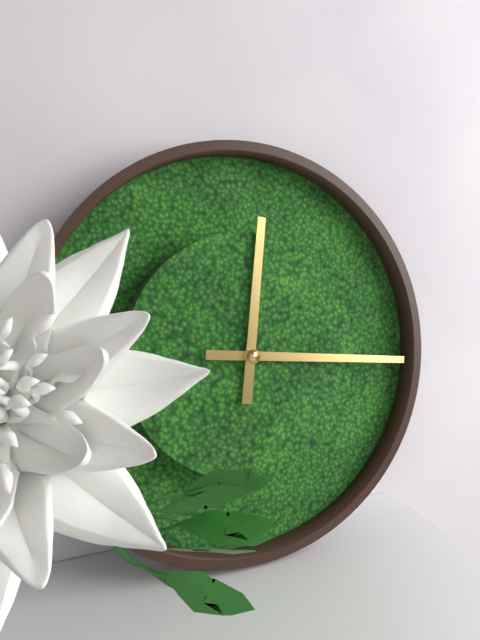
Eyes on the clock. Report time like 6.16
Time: 12.16
